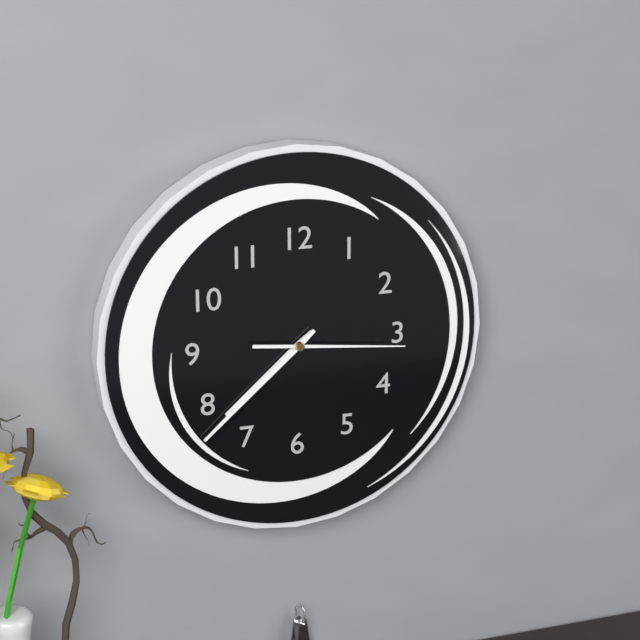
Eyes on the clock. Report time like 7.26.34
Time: 7.38.16
